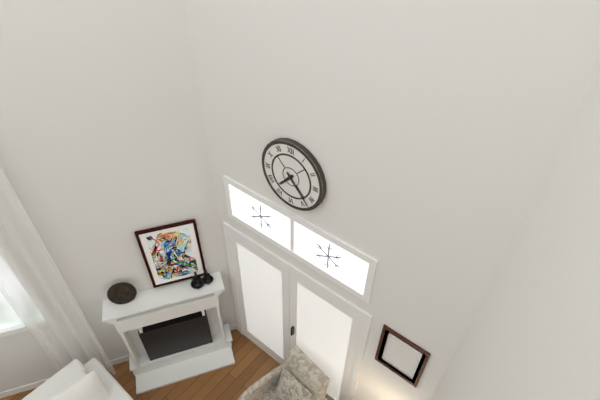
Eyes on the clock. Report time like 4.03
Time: 7.23
